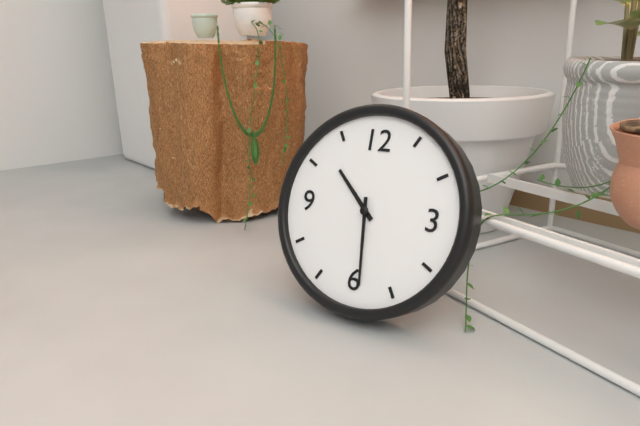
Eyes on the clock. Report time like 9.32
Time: 10.29
